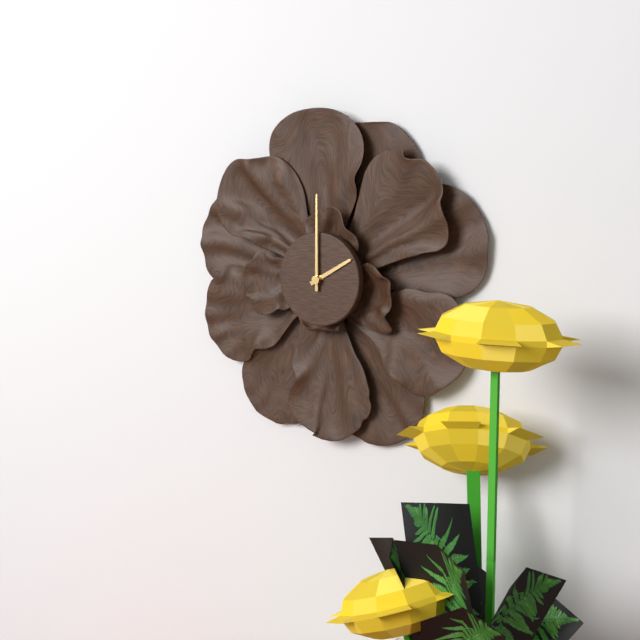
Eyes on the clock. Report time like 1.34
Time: 2.00
